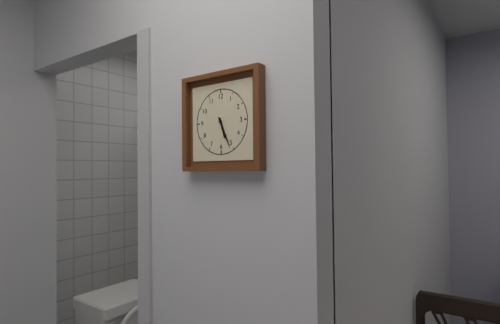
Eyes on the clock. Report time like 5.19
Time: 5.26
